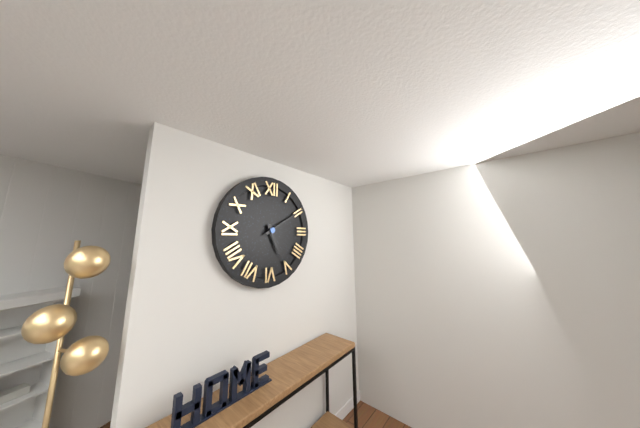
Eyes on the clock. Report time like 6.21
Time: 5.10
